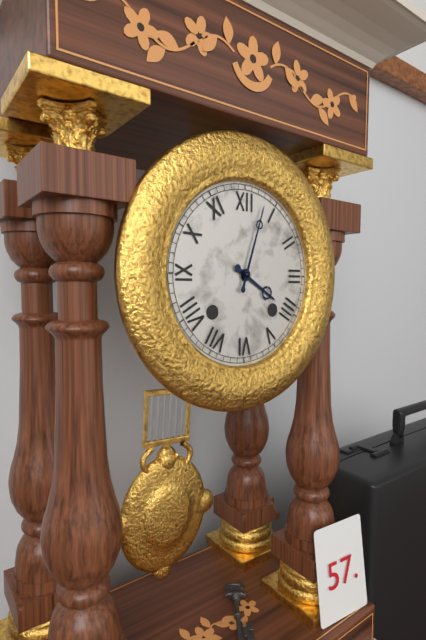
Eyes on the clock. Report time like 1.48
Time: 4.03
